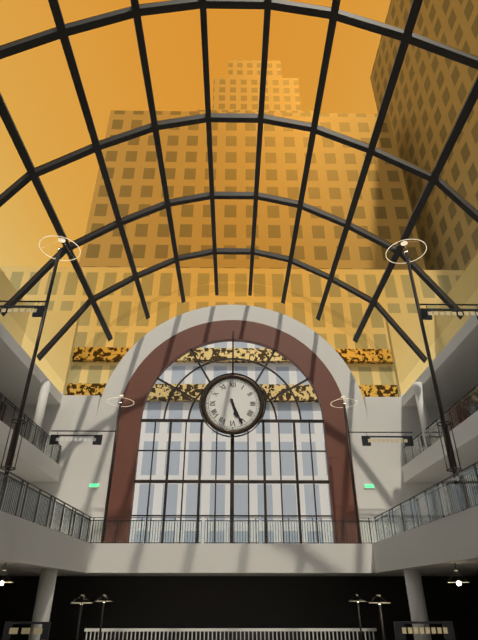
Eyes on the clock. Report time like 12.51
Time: 5.26
